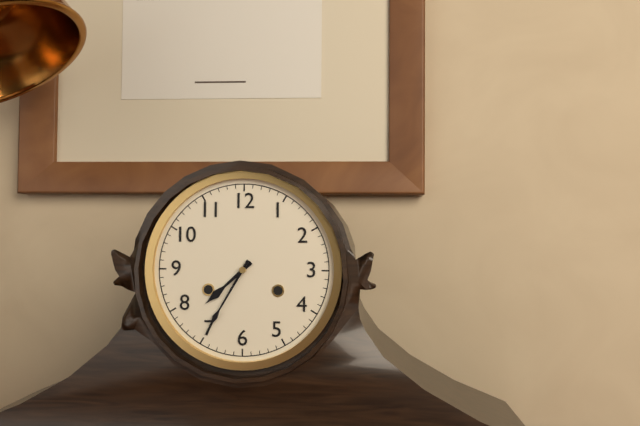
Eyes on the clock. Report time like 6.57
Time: 7.35
